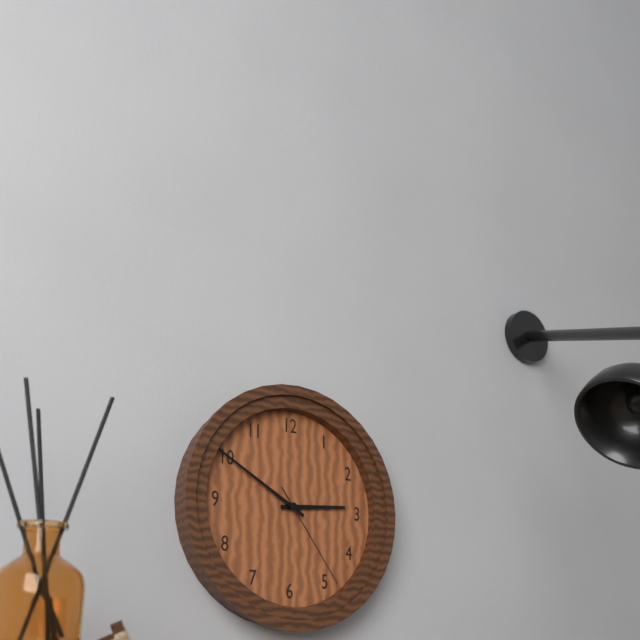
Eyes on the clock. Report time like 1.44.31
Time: 2.50.24
